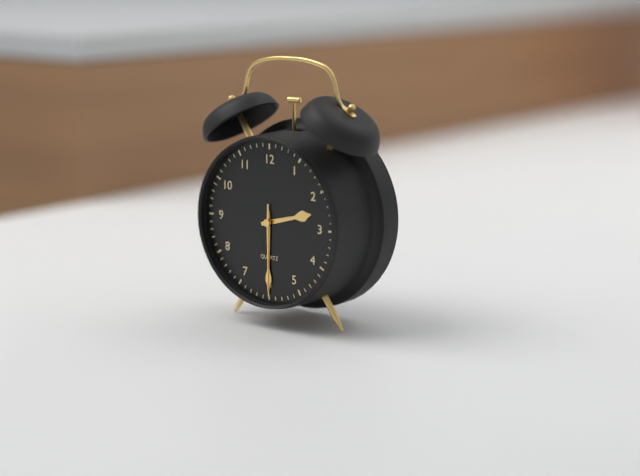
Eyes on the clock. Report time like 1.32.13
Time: 2.30.30
